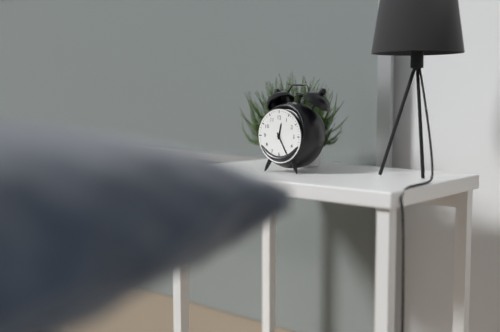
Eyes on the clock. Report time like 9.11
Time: 12.25
